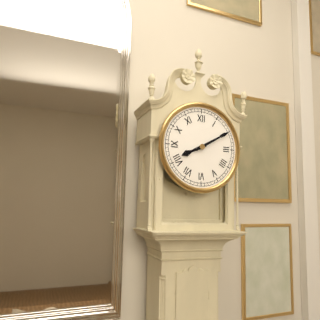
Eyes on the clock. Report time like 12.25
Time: 8.10
